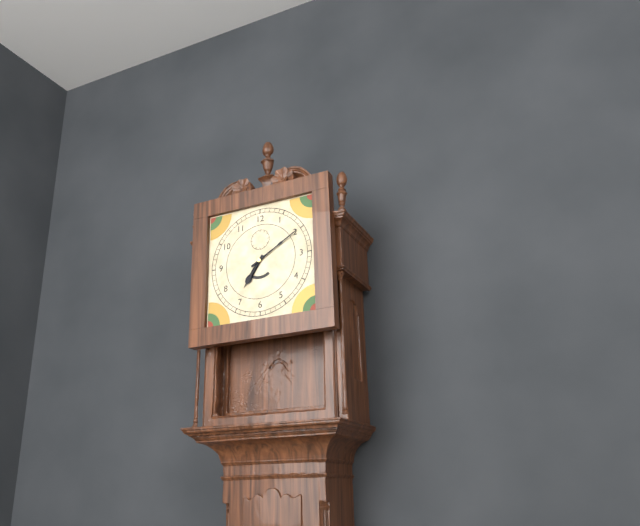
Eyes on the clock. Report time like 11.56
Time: 7.10
